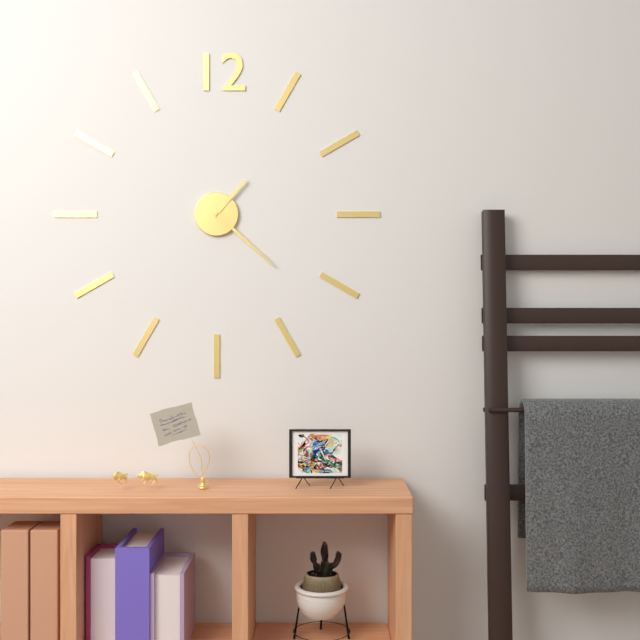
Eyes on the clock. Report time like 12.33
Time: 1.22
